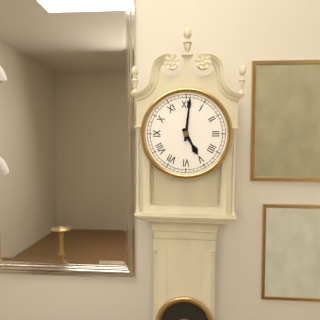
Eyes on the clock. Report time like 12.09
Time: 5.01
